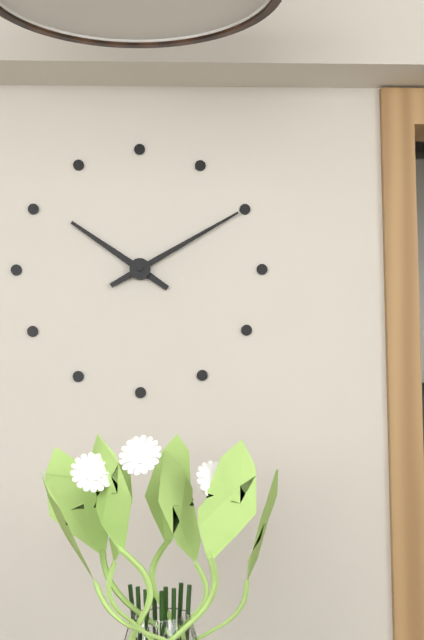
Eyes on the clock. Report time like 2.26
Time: 10.10
